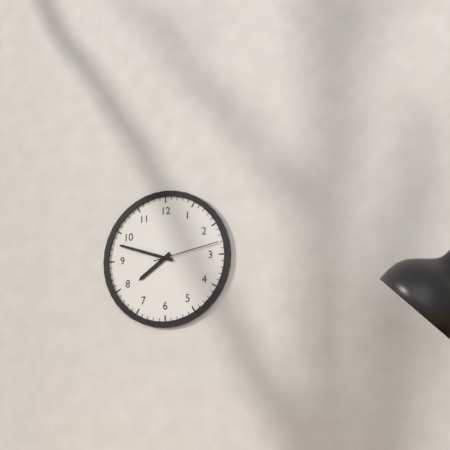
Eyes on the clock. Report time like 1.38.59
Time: 7.48.13
